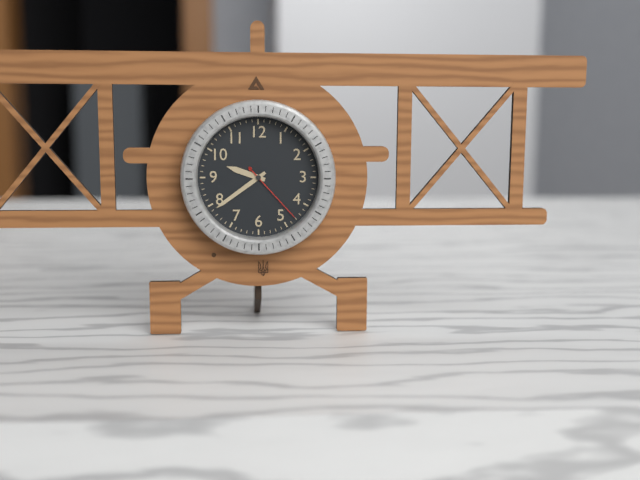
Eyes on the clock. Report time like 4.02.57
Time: 9.39.23
